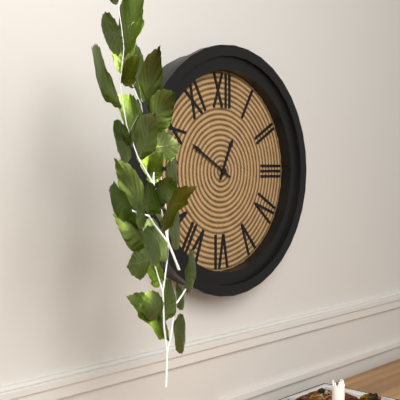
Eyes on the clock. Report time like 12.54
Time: 12.50
